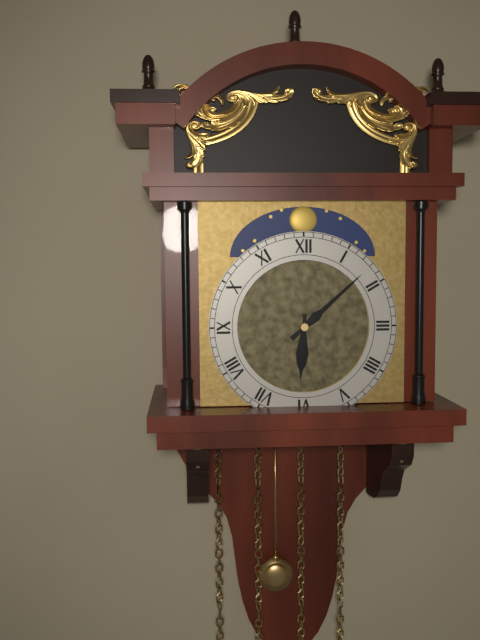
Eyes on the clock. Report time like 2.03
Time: 6.08
